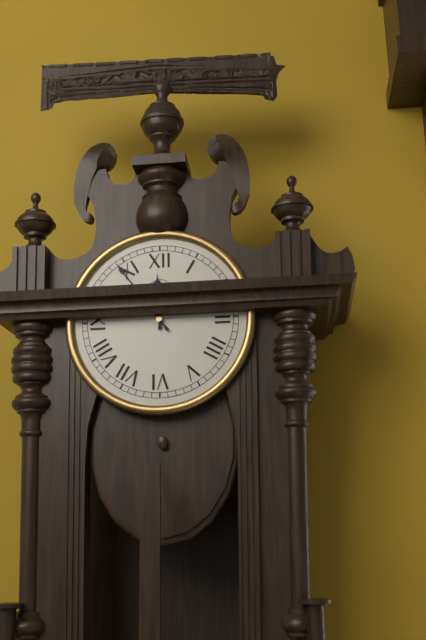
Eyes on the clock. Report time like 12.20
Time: 11.54
